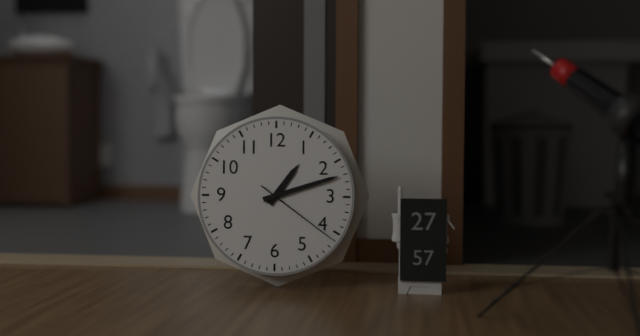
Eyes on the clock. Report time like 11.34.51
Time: 1.12.21
